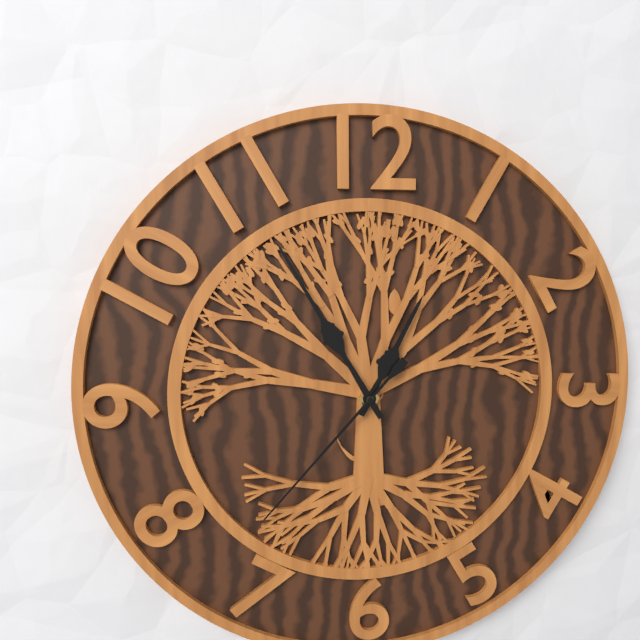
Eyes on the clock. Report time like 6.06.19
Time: 12.55.37
